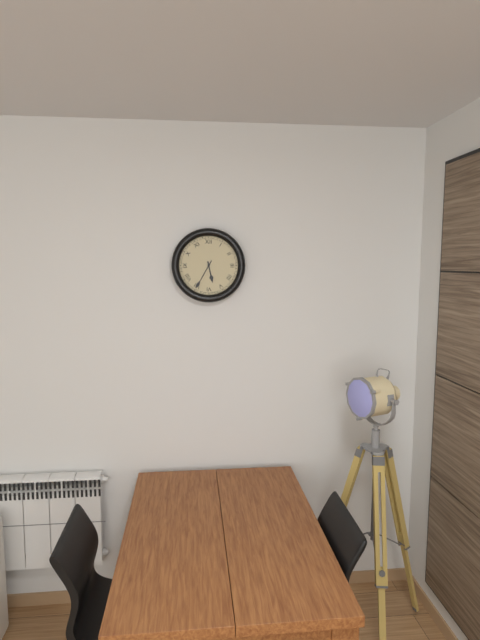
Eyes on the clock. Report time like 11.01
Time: 5.35
